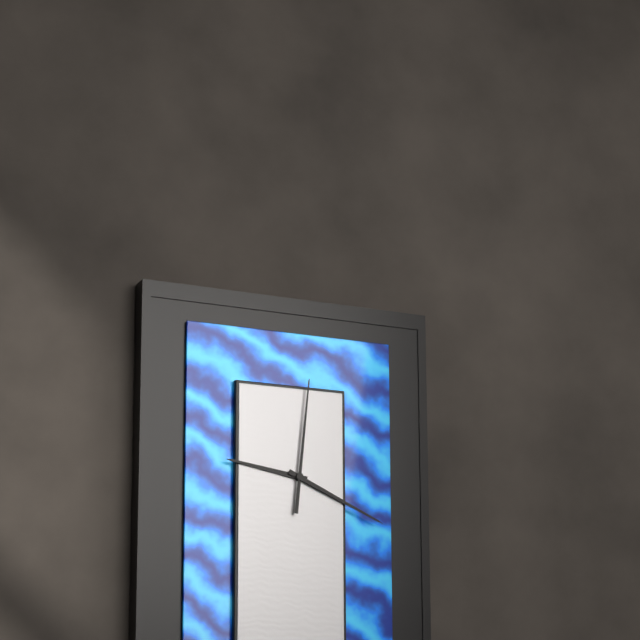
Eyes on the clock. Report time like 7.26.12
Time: 9.19.01
